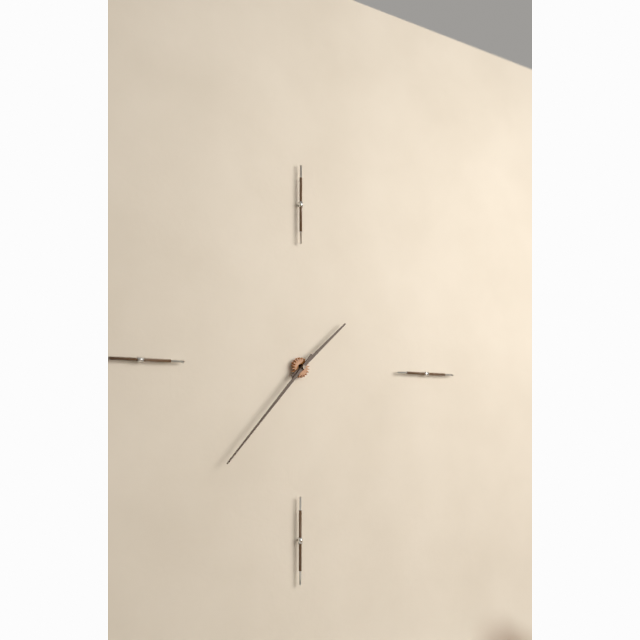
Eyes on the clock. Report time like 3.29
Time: 1.37
